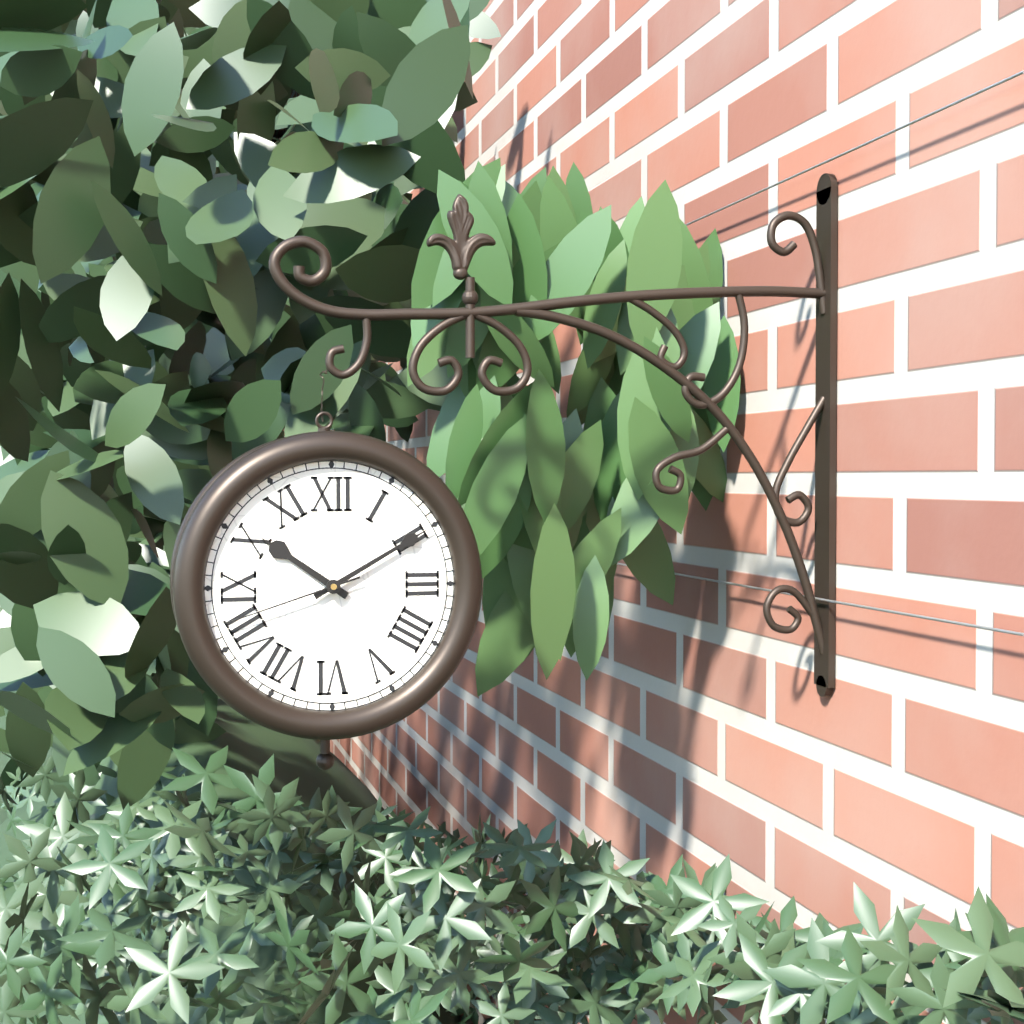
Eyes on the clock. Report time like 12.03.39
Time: 10.10.42
